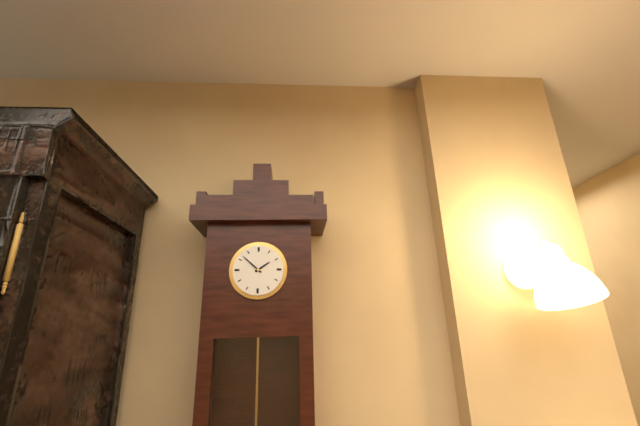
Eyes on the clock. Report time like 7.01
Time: 1.52
